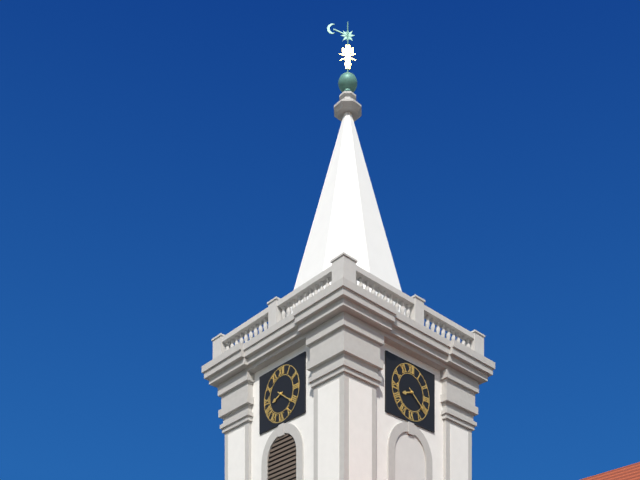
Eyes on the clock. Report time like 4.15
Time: 8.21
